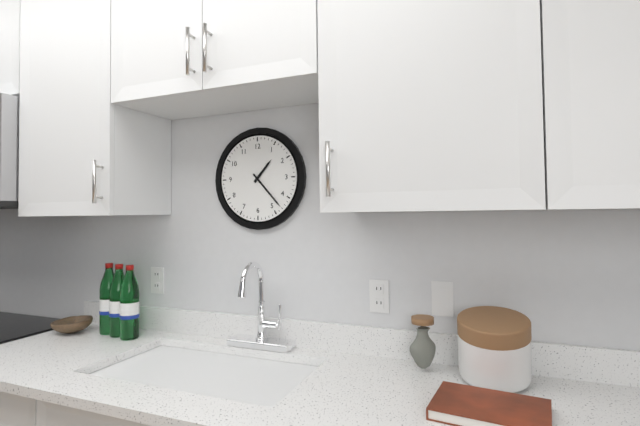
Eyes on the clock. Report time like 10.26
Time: 1.23
